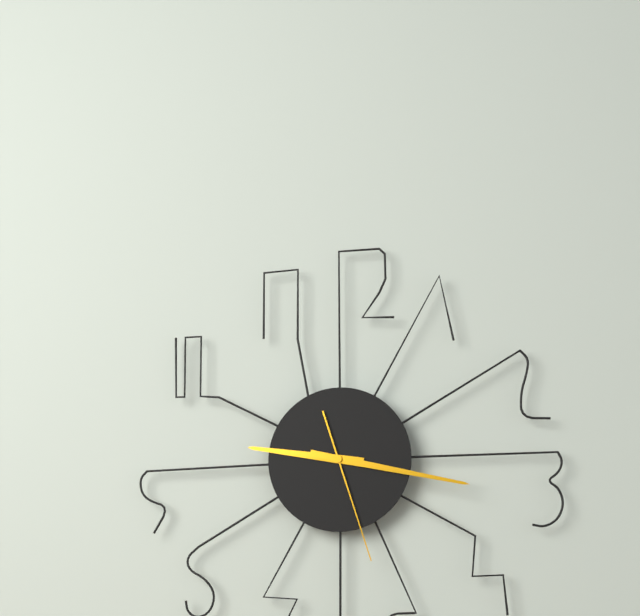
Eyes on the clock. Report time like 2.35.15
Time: 9.17.27
